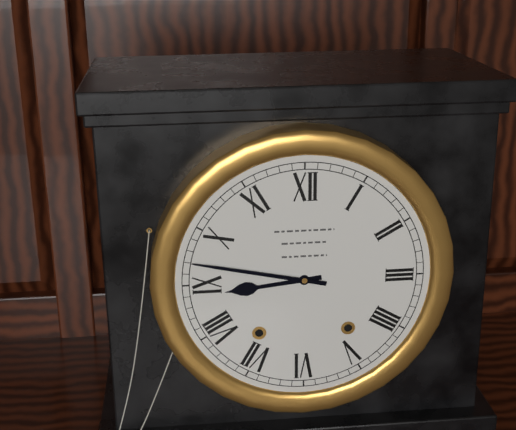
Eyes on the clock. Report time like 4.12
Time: 8.47
